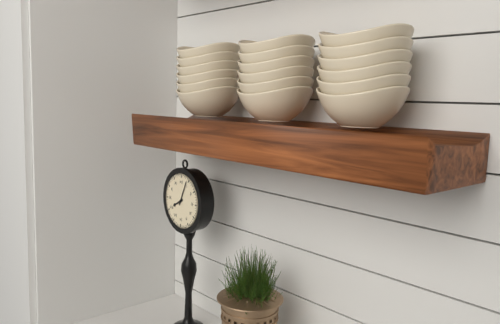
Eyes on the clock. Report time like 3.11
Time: 8.04
